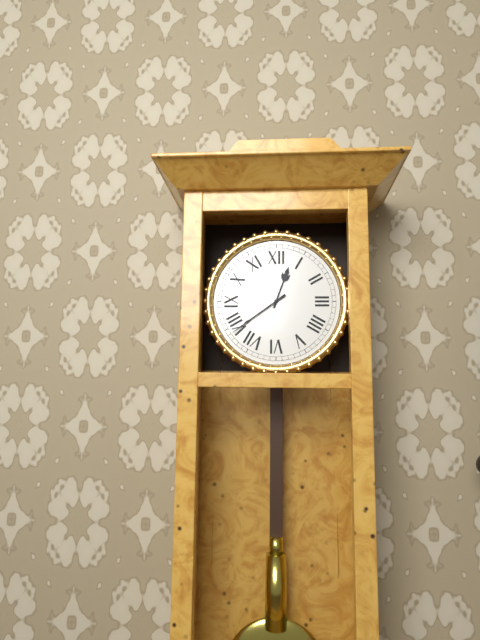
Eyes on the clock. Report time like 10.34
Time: 12.39
